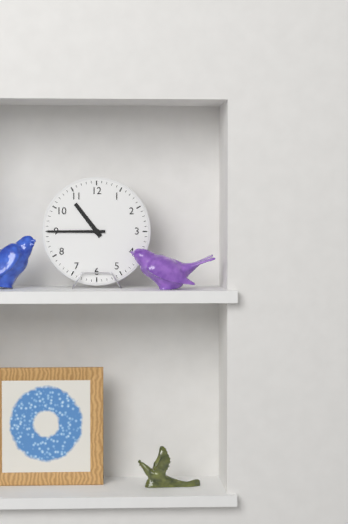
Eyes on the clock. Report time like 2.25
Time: 10.45
